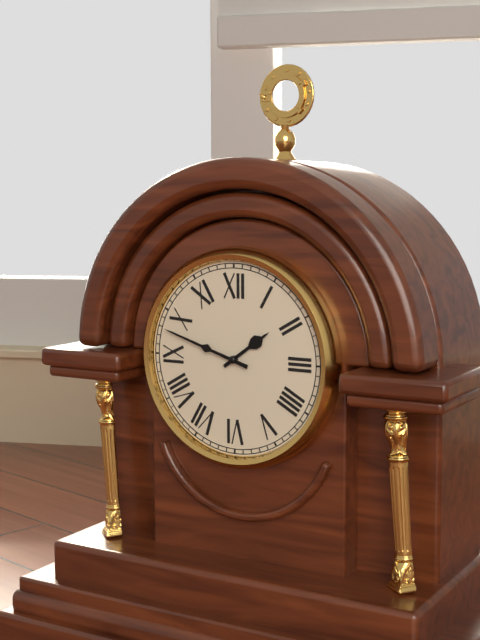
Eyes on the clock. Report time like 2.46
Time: 1.48
